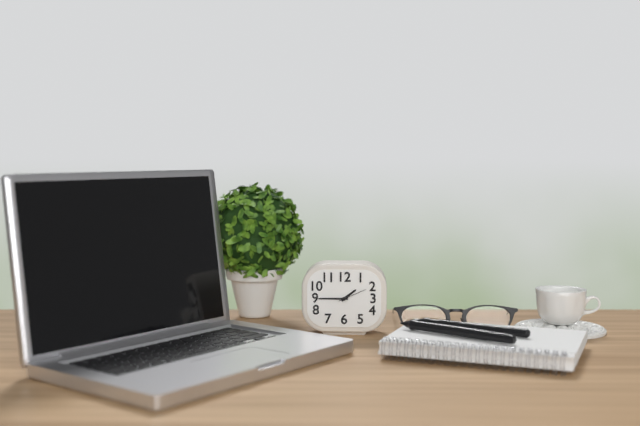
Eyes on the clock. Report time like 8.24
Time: 1.45
